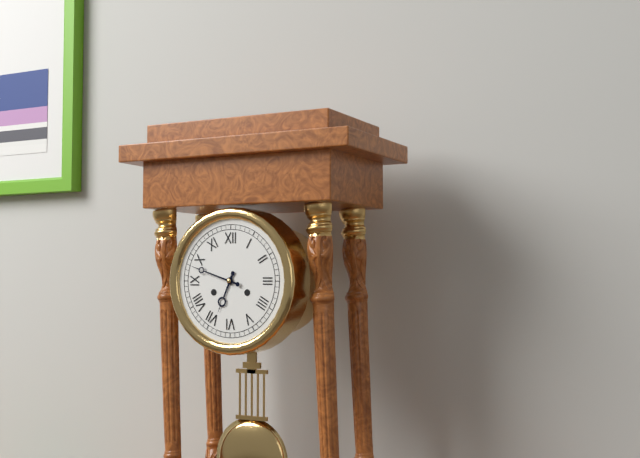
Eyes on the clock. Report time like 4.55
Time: 6.48
